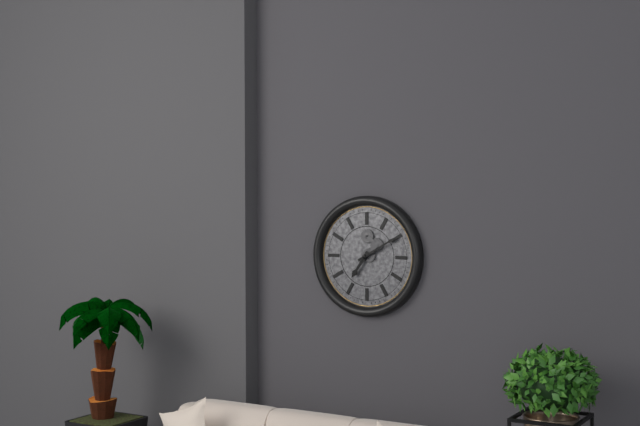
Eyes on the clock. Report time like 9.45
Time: 7.10
